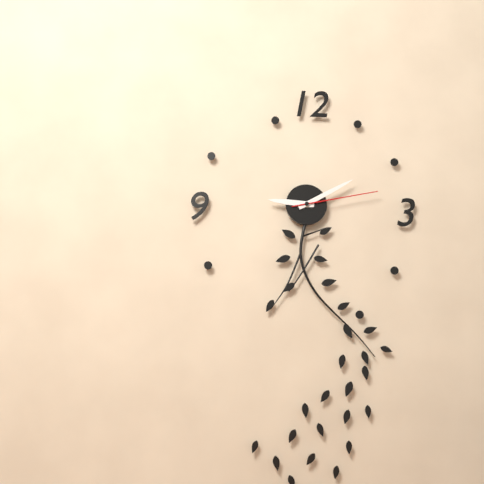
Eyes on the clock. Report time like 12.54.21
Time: 9.10.13
